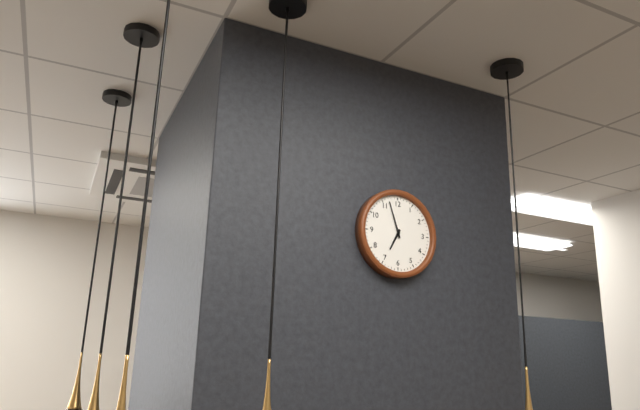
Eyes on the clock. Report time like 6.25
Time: 6.57
